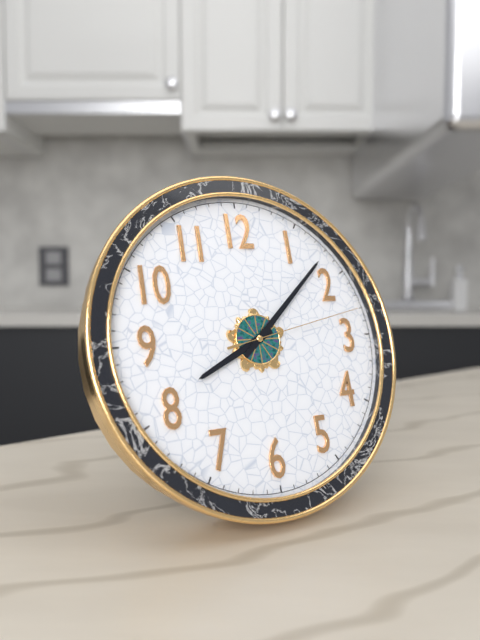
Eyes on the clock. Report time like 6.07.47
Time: 8.08.13
